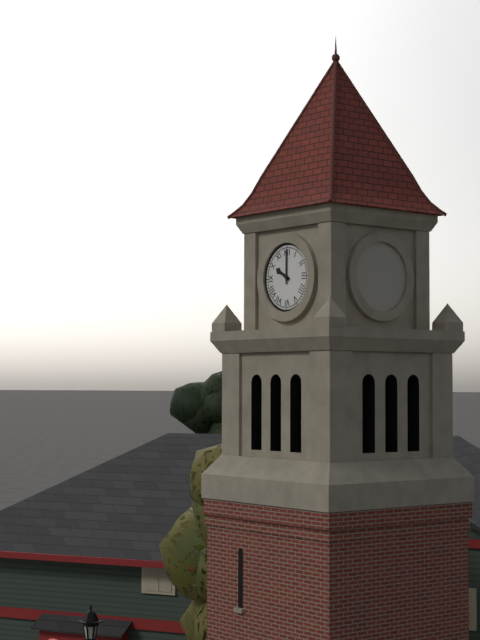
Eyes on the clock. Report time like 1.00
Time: 10.00
